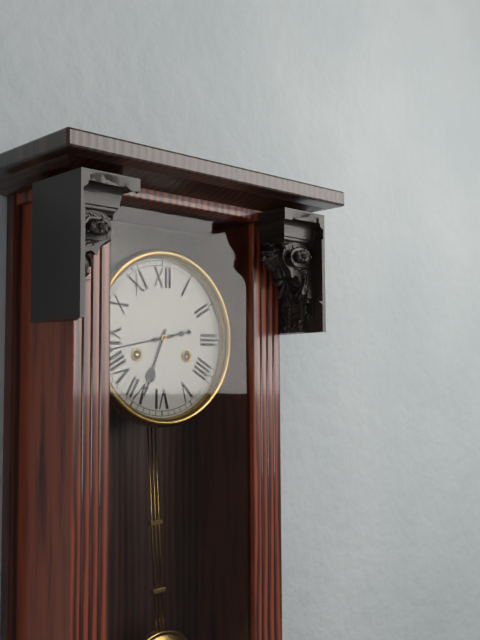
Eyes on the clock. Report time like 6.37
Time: 6.43
